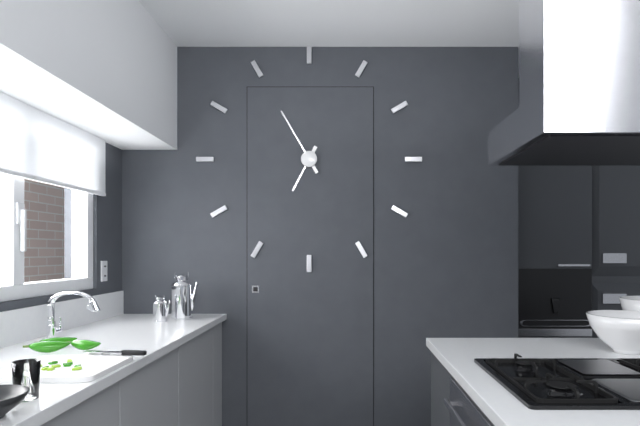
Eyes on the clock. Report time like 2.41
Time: 6.55
